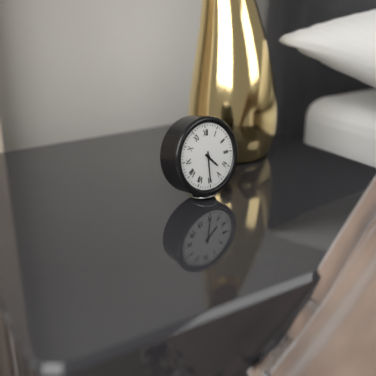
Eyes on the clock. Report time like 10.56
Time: 4.30
